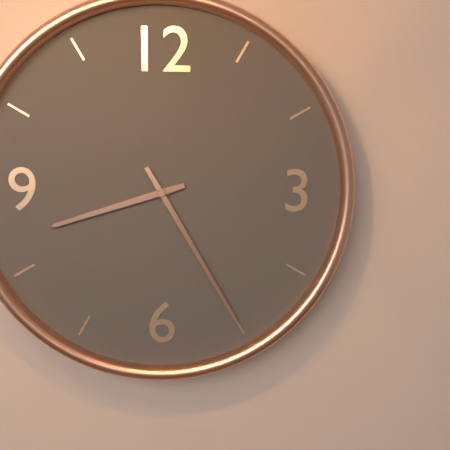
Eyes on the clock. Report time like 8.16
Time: 8.25
